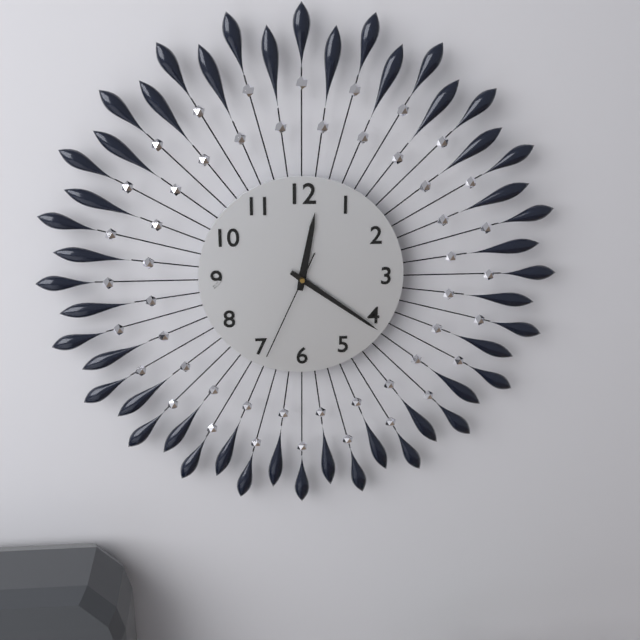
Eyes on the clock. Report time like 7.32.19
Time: 12.21.34
